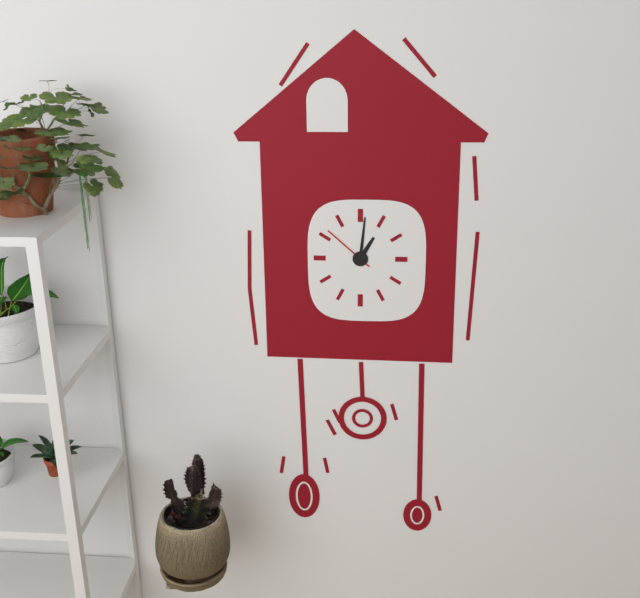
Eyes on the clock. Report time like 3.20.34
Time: 1.01.52
